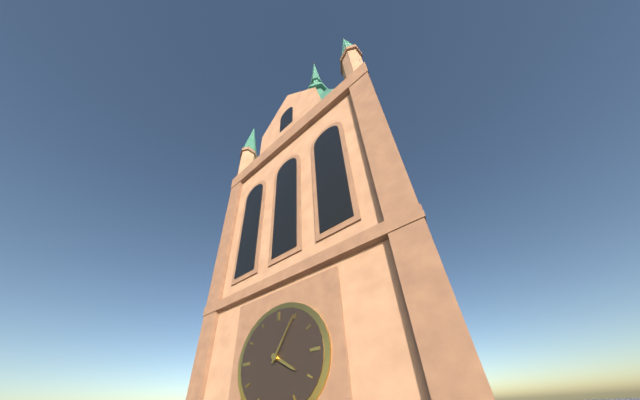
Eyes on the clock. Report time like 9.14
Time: 4.05
